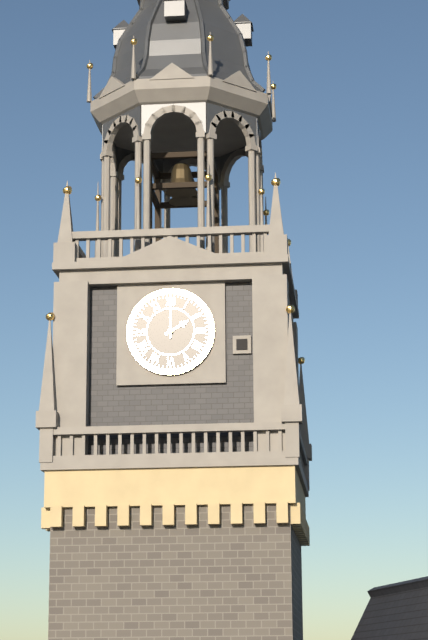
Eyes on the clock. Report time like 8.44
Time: 2.00
